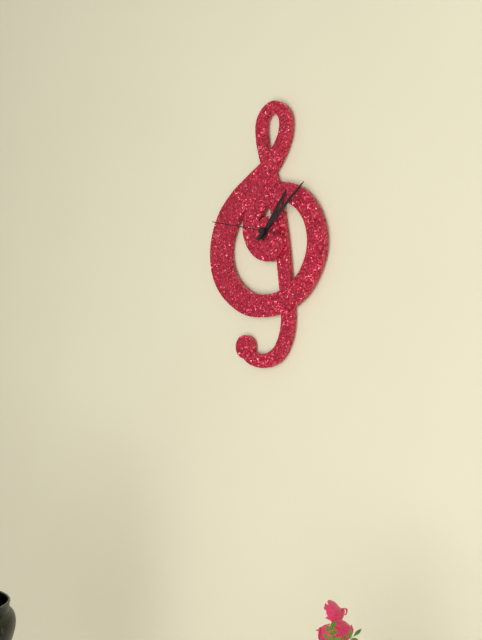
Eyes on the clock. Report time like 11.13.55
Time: 1.08.47
